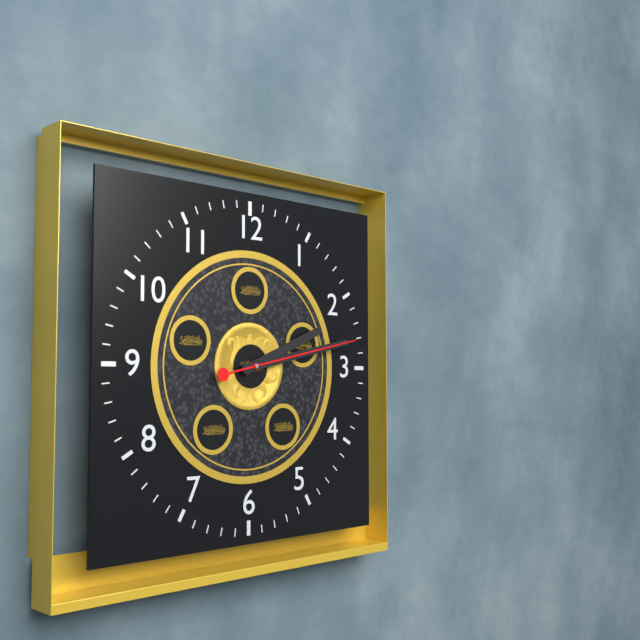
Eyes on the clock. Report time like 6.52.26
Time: 2.13.13
